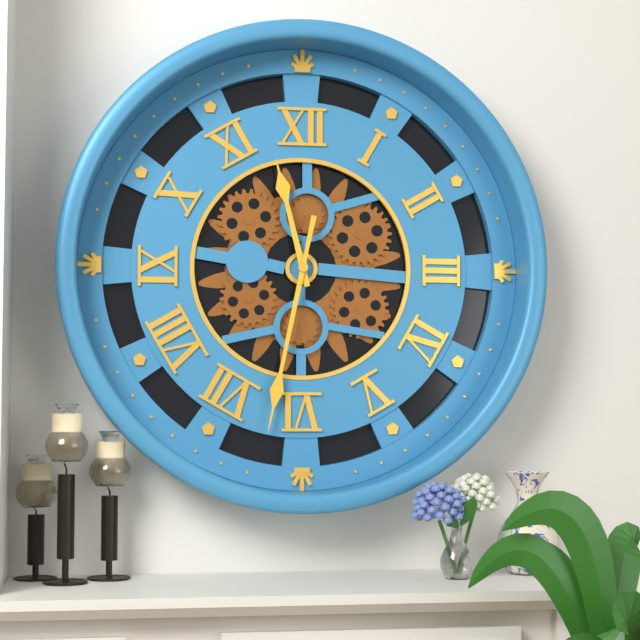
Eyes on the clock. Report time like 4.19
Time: 11.32
